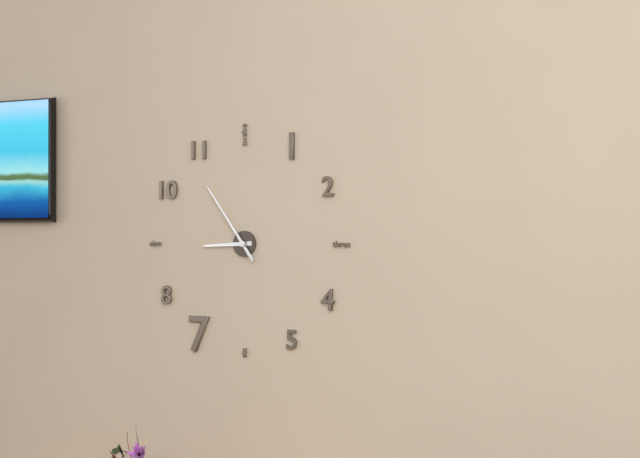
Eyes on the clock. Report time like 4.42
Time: 8.54
